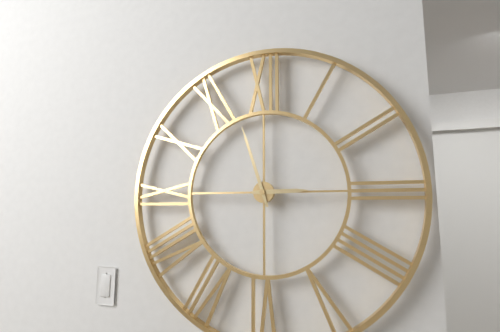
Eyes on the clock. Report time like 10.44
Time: 2.57
